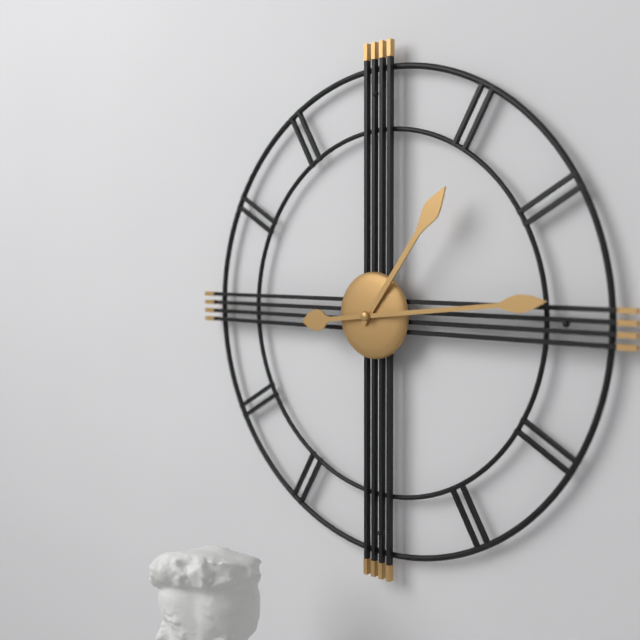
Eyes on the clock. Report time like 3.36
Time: 1.14
